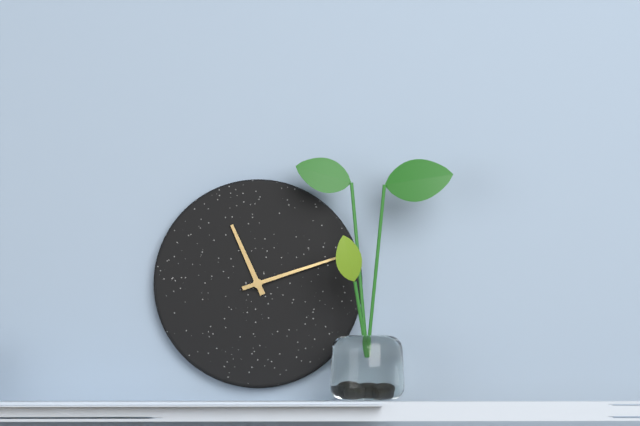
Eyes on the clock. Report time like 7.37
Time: 11.12
